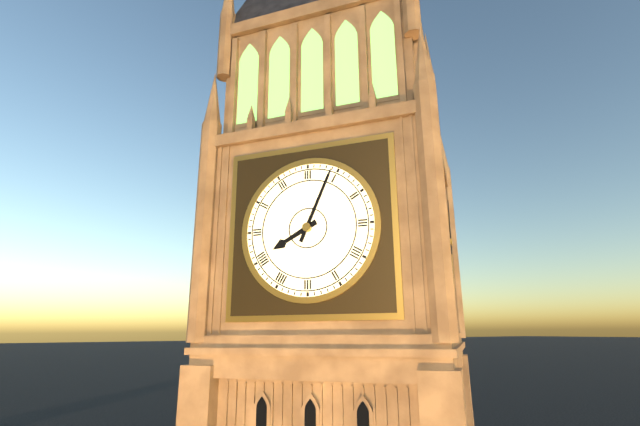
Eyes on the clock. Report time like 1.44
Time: 8.04
